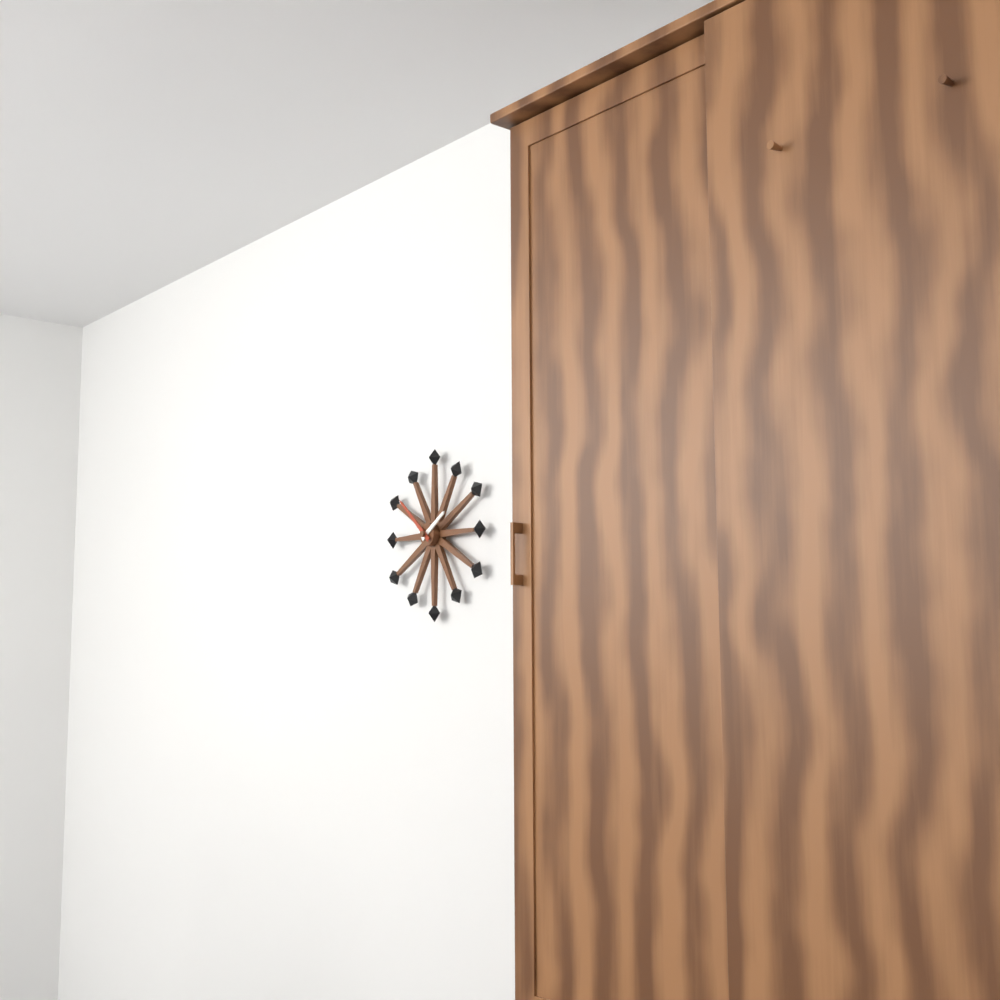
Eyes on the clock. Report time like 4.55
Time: 1.52
